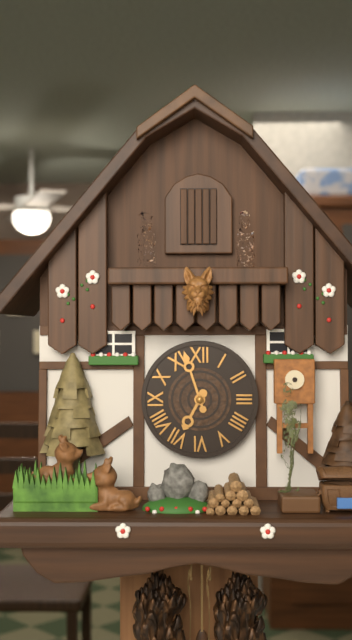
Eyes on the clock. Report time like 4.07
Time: 6.57
